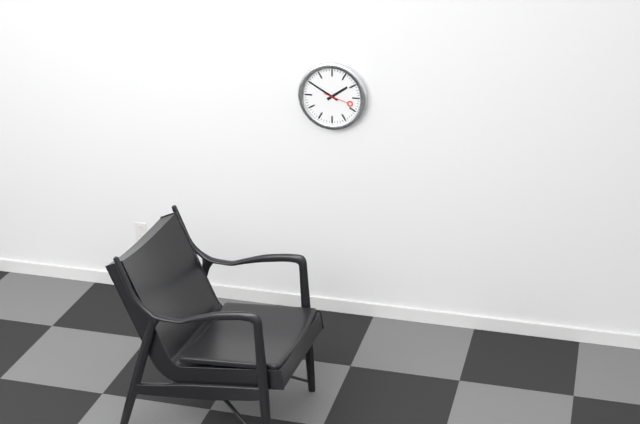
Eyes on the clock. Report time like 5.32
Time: 1.50
